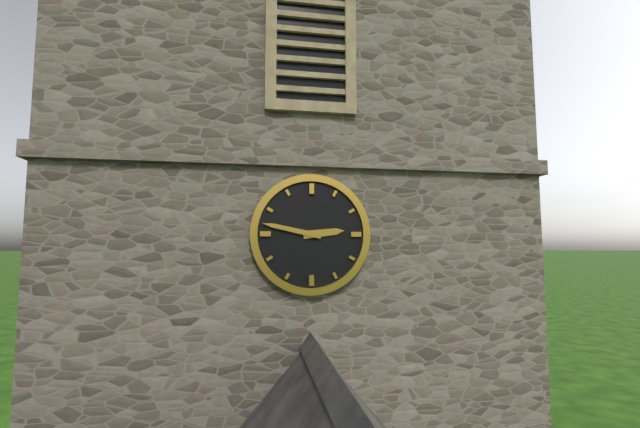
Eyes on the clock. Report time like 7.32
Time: 2.47
